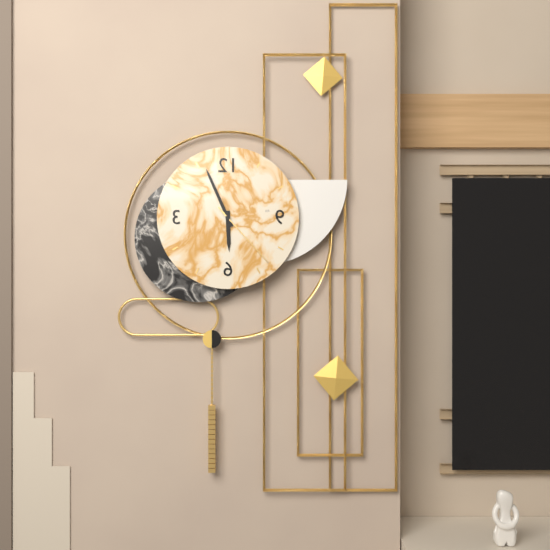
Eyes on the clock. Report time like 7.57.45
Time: 5.56.23
